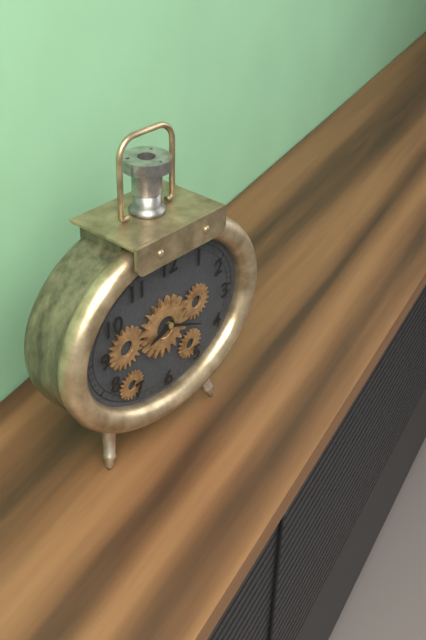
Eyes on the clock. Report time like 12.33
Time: 8.19
